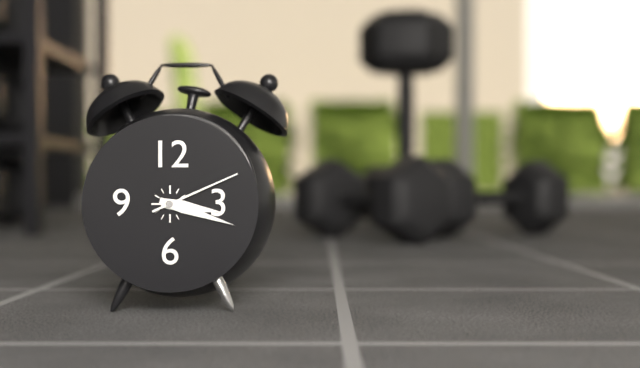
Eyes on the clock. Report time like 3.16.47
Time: 3.18.11
